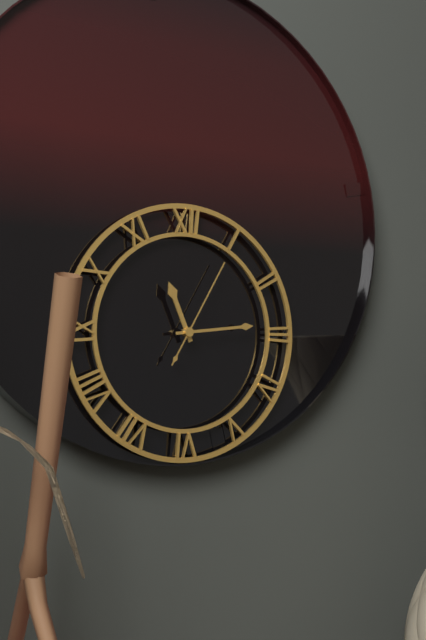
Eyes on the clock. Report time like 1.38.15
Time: 11.14.05
